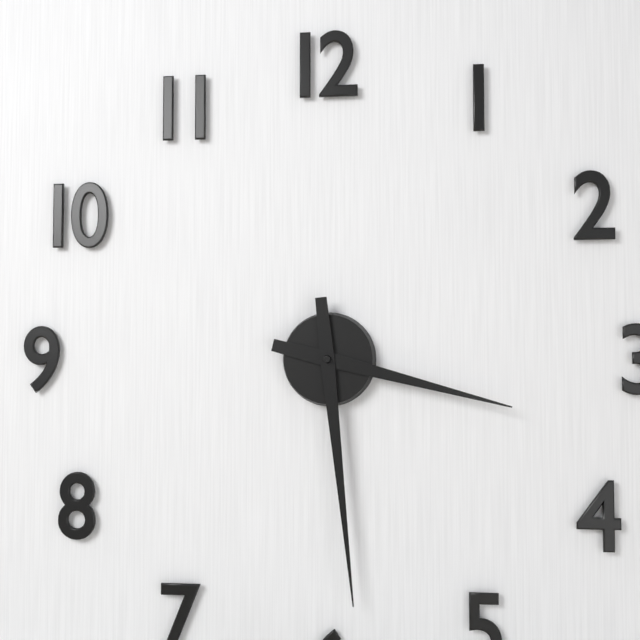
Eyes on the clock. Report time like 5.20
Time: 3.29
